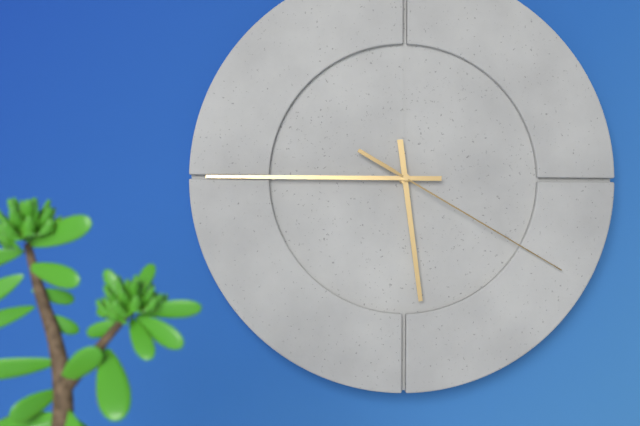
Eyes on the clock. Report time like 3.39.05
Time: 5.45.20
